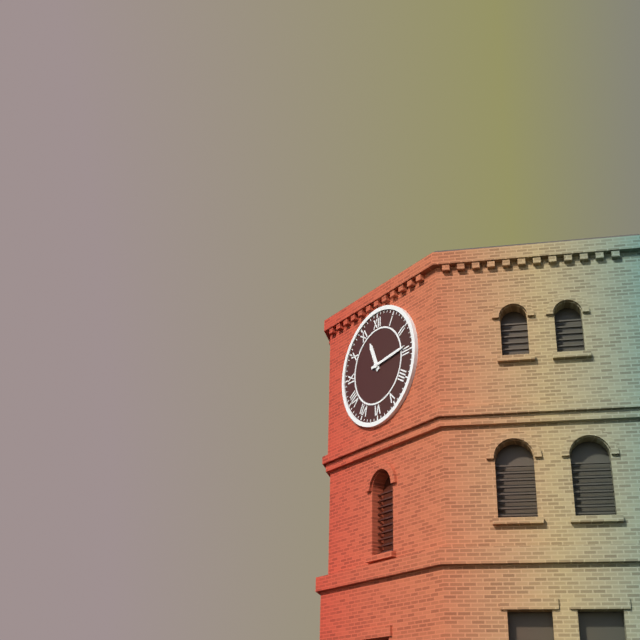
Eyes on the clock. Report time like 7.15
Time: 11.14
